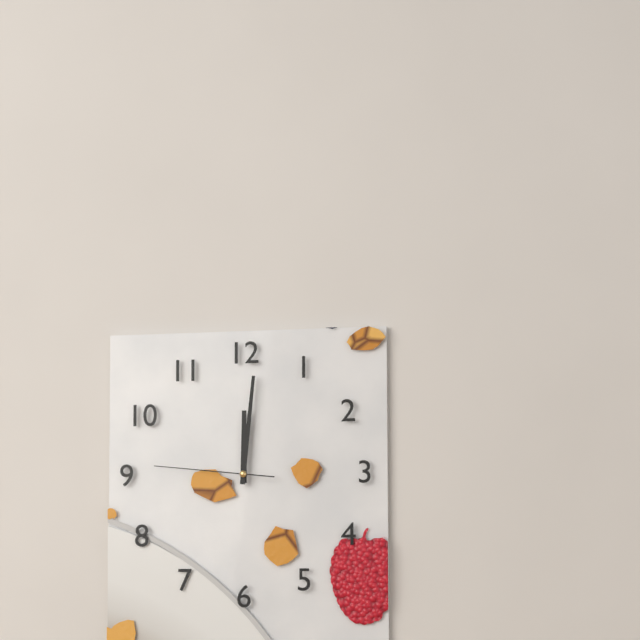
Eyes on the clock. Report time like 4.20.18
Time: 12.01.46
